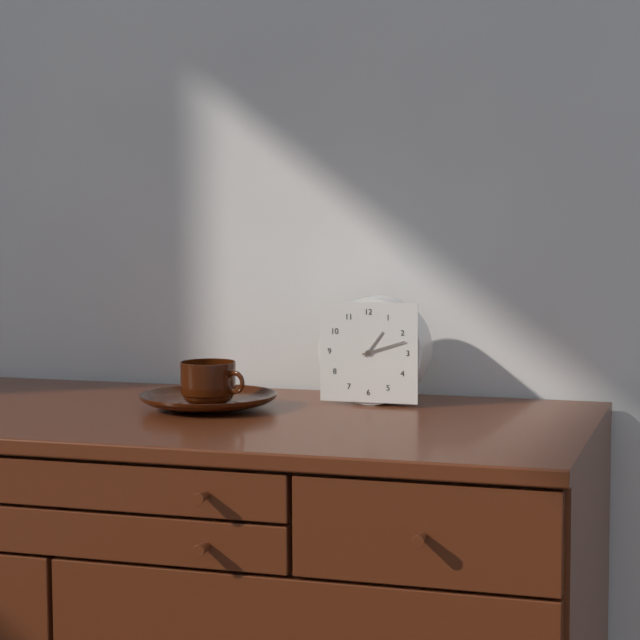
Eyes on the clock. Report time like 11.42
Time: 1.12
